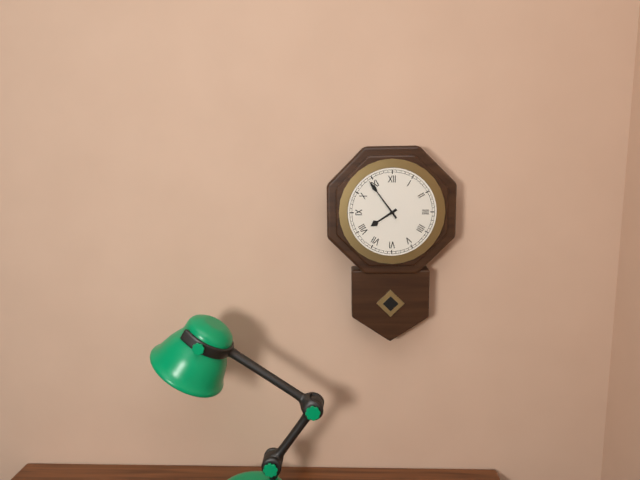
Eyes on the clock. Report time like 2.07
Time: 7.54
